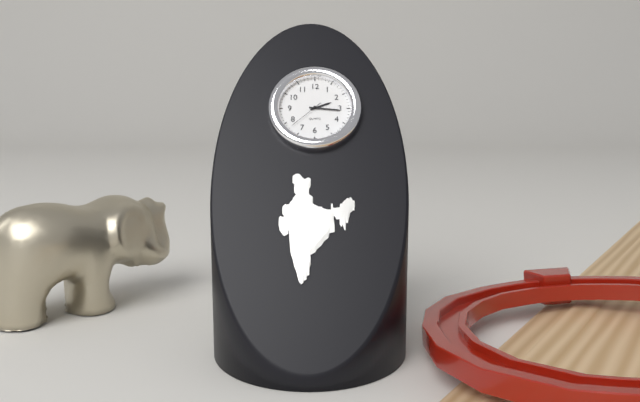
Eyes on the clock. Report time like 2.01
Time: 2.16
